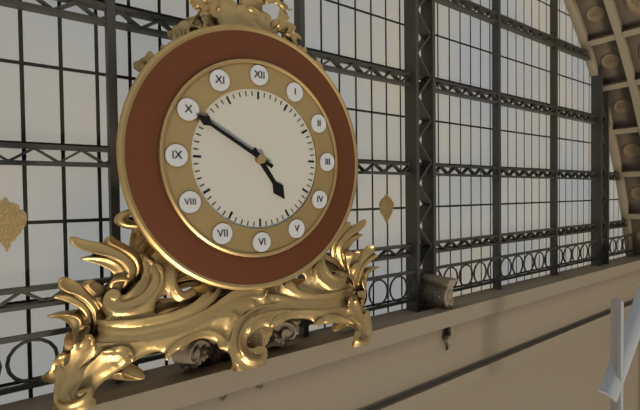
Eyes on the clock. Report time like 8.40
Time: 4.50
